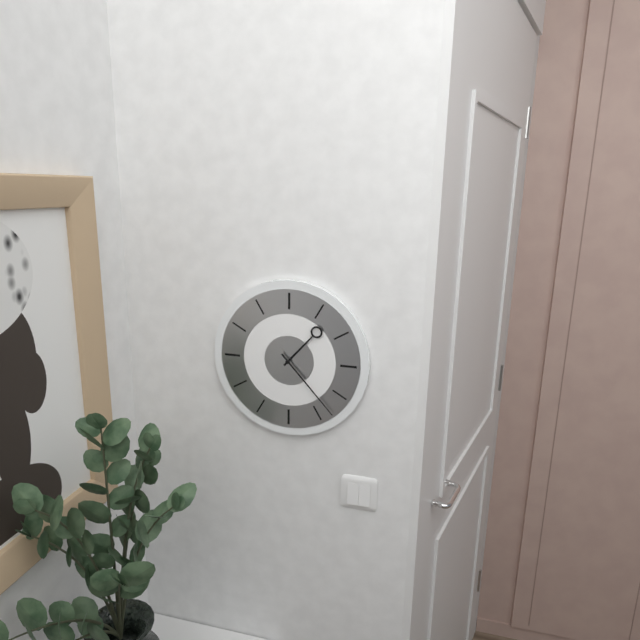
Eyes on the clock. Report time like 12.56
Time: 1.23
